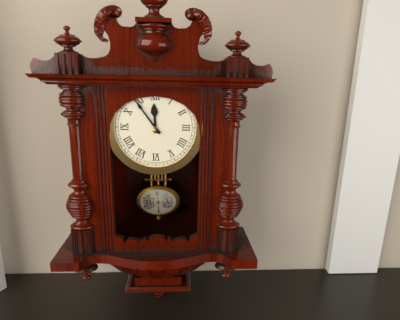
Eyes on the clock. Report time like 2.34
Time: 11.54
